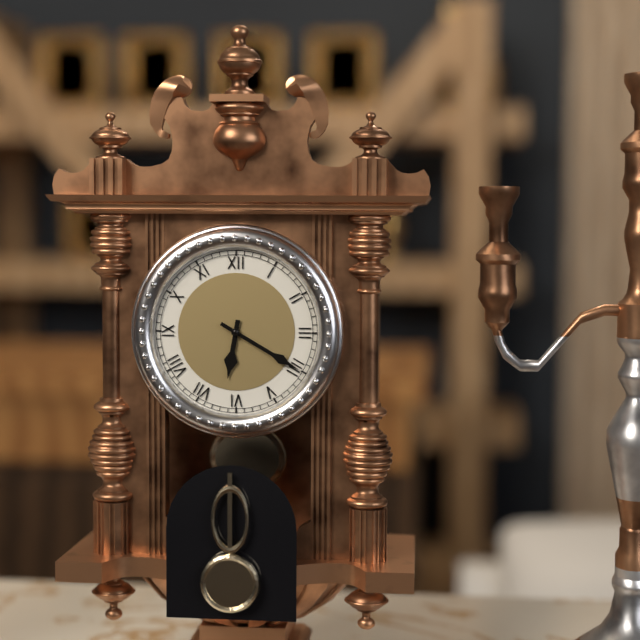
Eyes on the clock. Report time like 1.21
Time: 6.20
